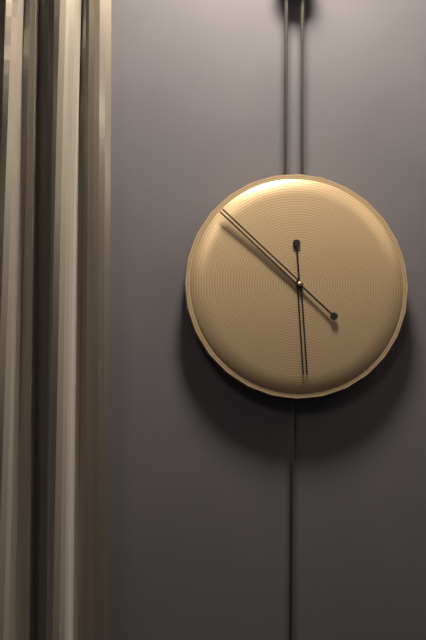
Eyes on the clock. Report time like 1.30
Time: 5.52
